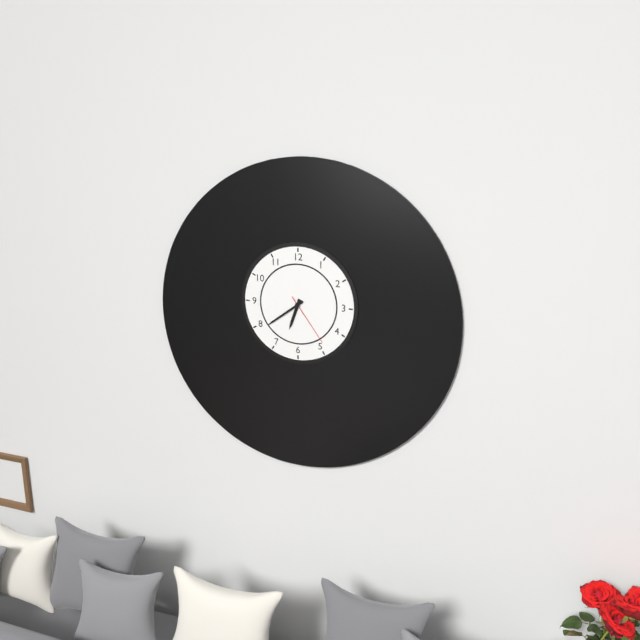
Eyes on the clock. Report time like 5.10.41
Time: 6.39.24
